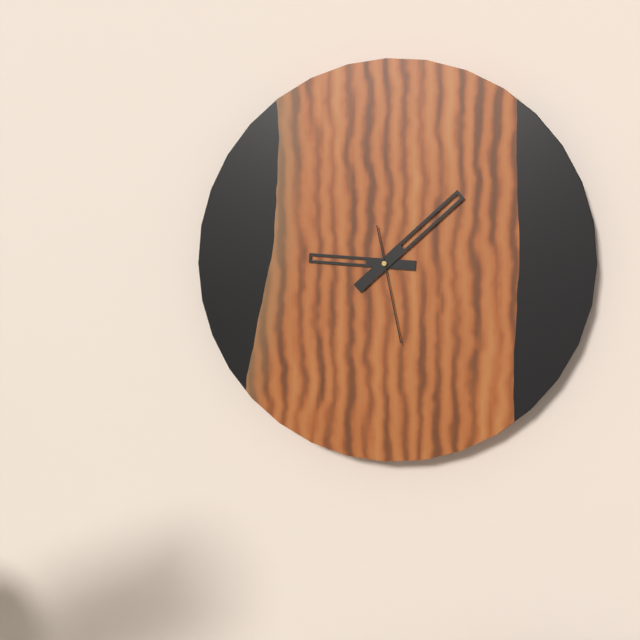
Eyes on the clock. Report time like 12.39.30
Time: 9.08.28
